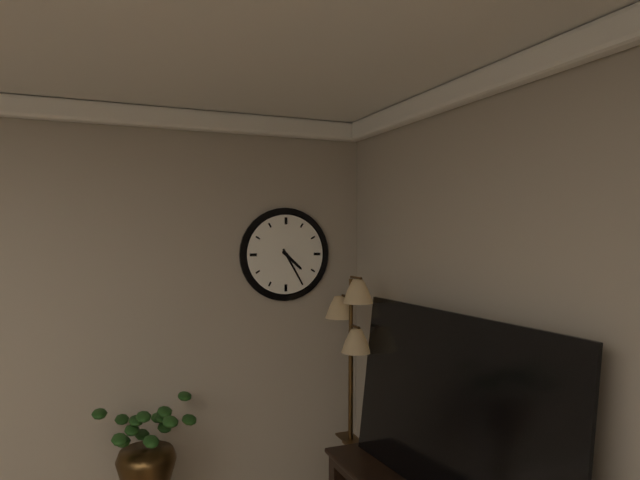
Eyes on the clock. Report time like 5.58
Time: 4.25
